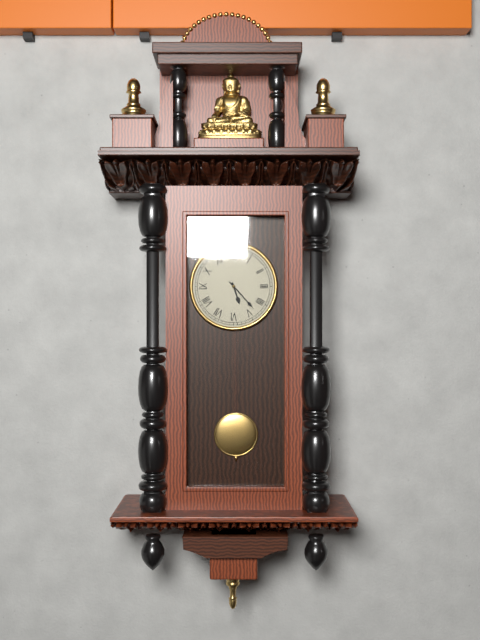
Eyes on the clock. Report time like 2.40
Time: 5.23
